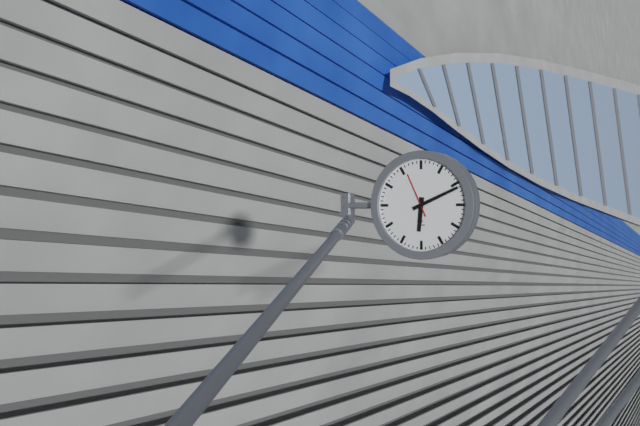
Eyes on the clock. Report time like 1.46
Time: 6.11
